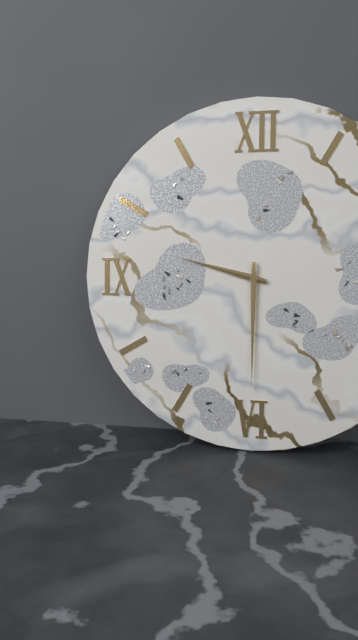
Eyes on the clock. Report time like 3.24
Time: 9.30
